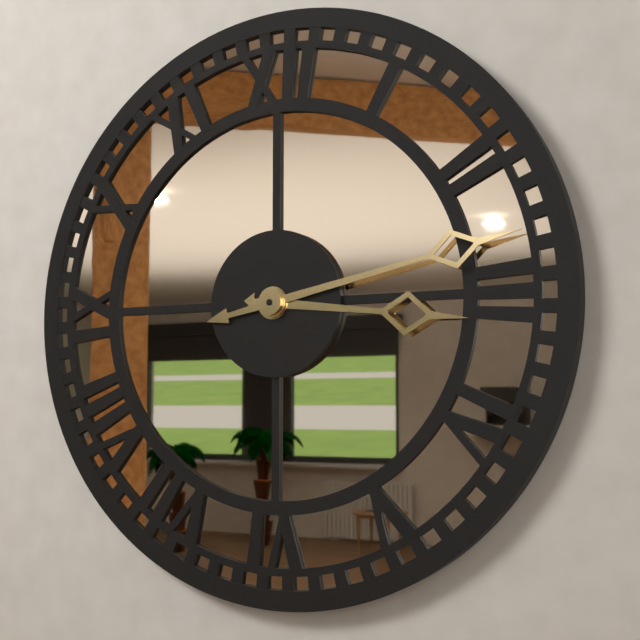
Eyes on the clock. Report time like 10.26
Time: 3.13
